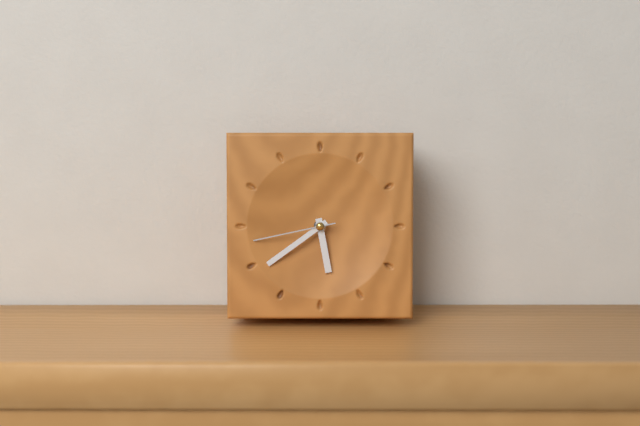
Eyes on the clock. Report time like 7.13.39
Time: 5.39.43
